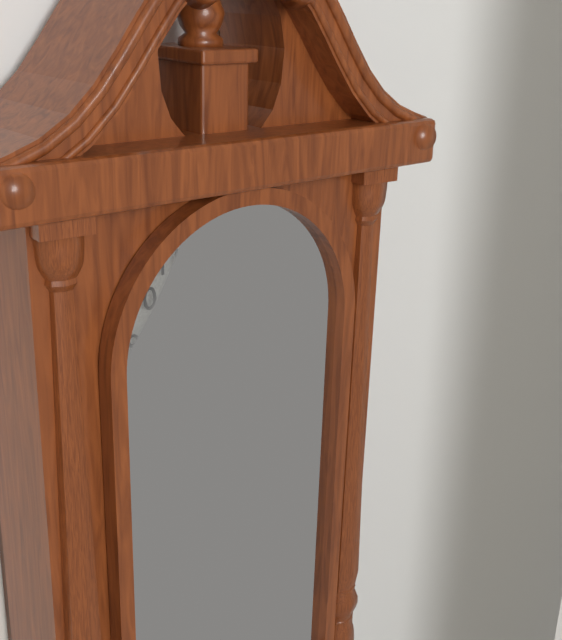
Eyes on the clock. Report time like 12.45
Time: 7.34
